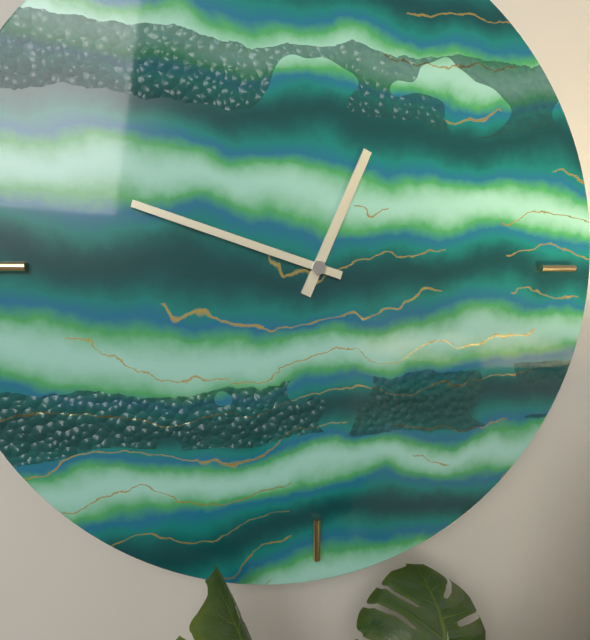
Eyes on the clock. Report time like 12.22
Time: 12.48
